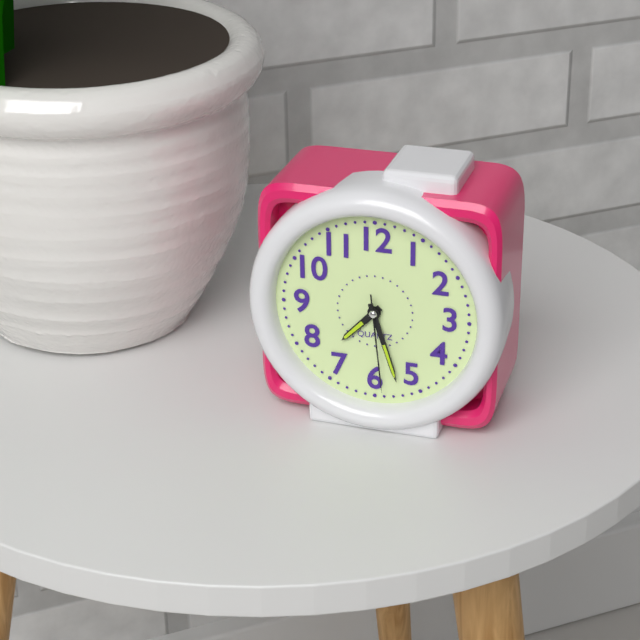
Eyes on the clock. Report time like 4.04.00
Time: 7.27.29
